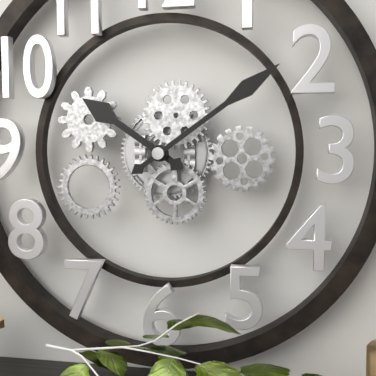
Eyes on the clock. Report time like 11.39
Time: 10.09
